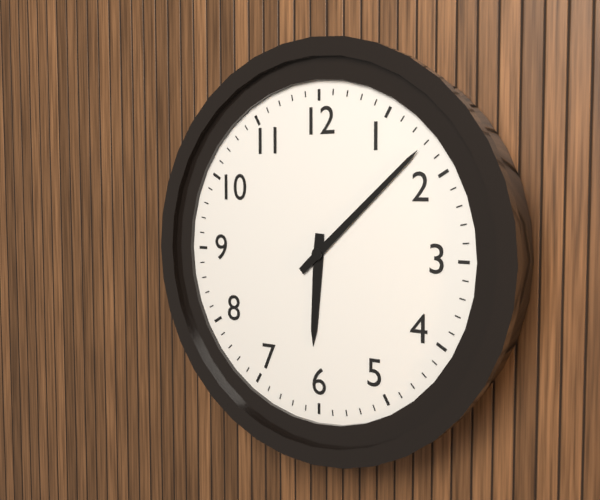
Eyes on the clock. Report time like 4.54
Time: 6.08
